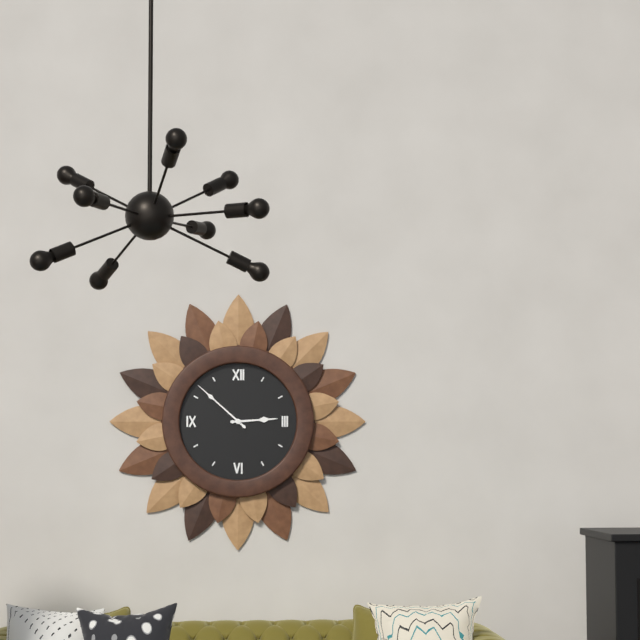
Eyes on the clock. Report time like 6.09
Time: 2.52
